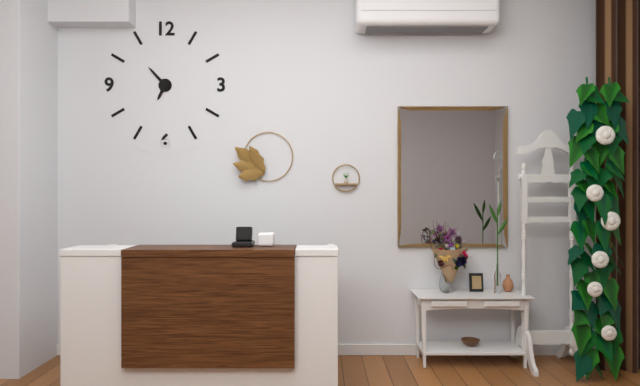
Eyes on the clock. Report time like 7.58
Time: 6.53
